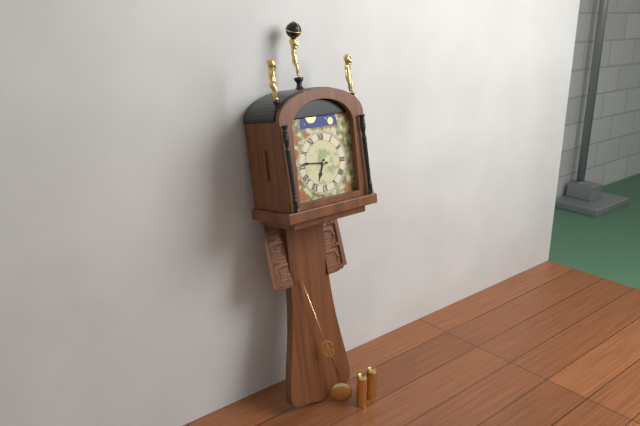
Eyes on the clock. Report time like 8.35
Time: 6.46
